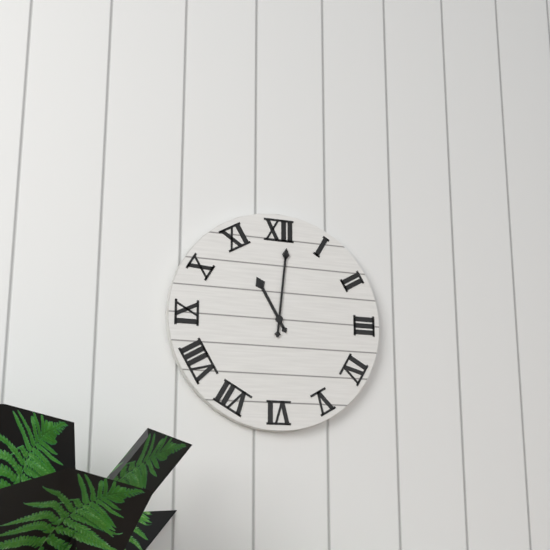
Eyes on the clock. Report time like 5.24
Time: 11.01
